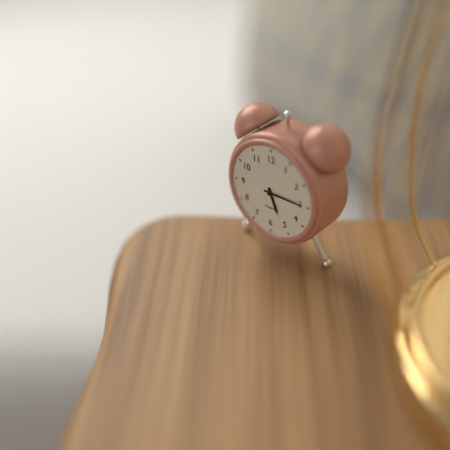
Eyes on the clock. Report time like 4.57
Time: 5.15
